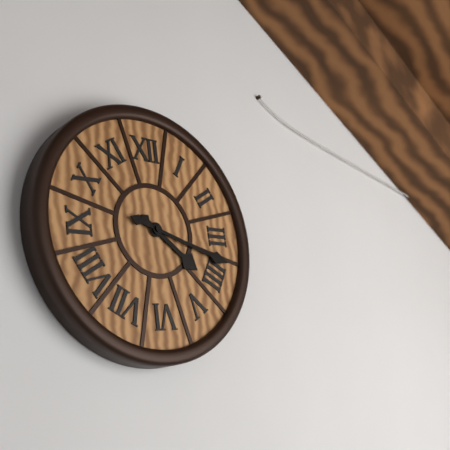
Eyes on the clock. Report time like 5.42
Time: 4.18
